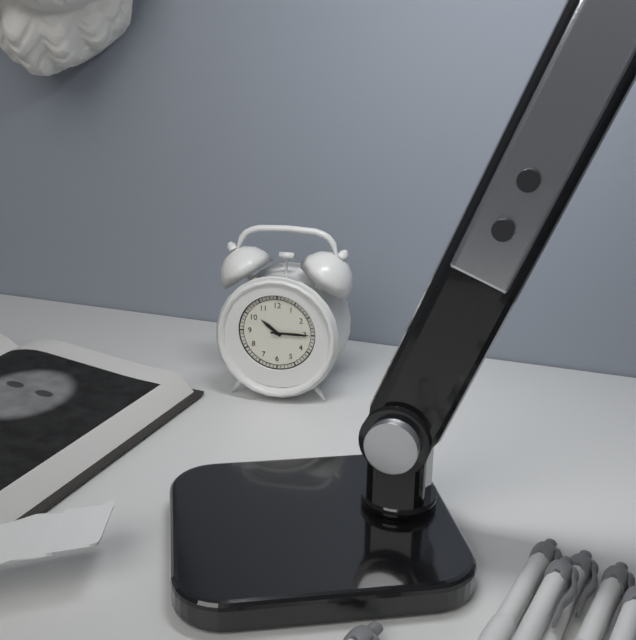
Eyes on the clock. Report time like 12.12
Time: 10.15
